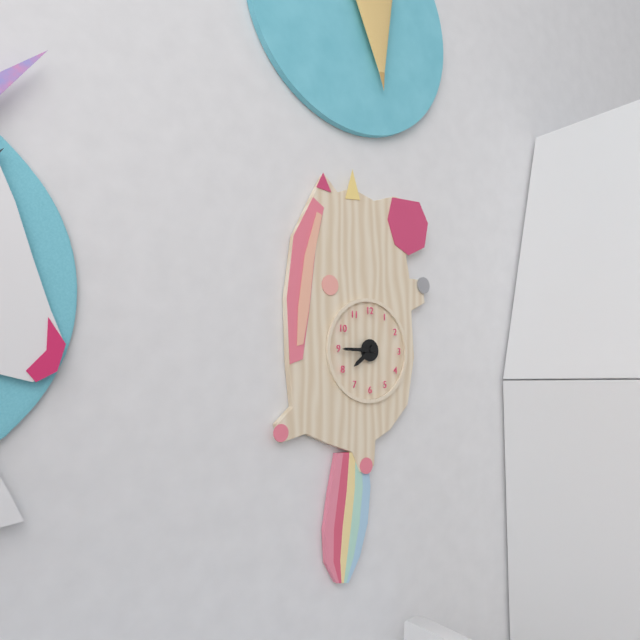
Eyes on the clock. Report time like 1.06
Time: 7.45
